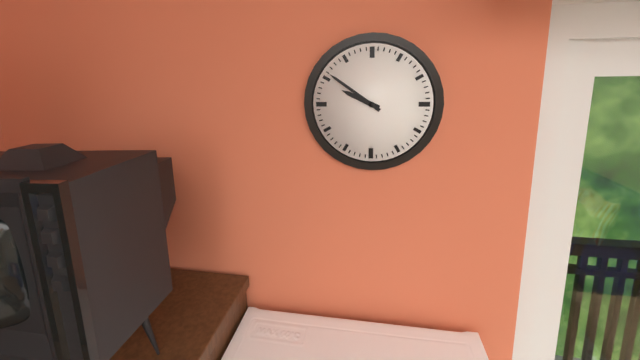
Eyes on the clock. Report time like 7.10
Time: 9.51
